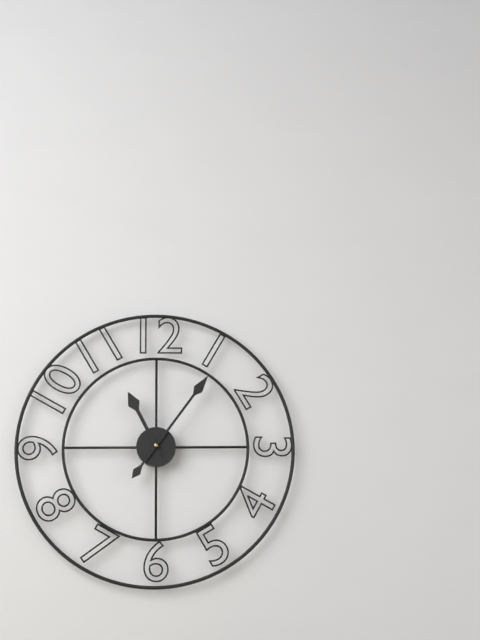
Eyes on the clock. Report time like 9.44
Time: 11.06
